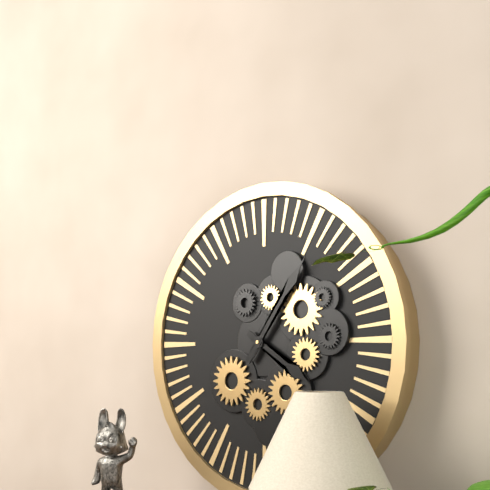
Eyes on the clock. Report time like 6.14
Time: 4.06
